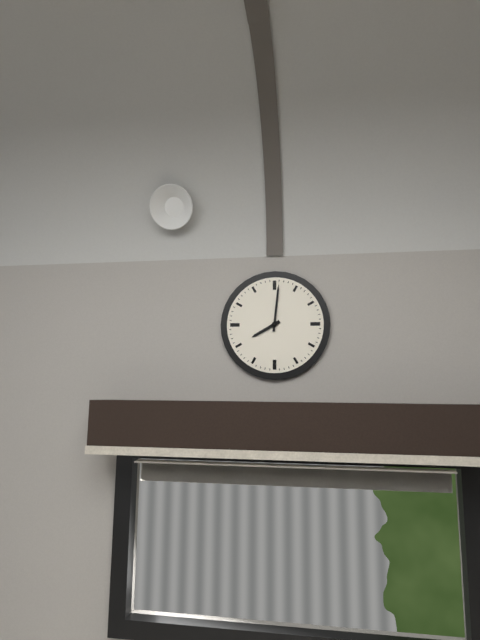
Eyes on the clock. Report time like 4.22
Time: 8.01
